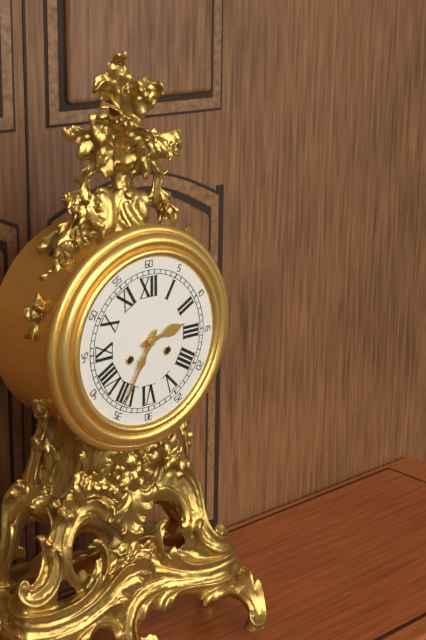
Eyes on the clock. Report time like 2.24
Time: 2.35
